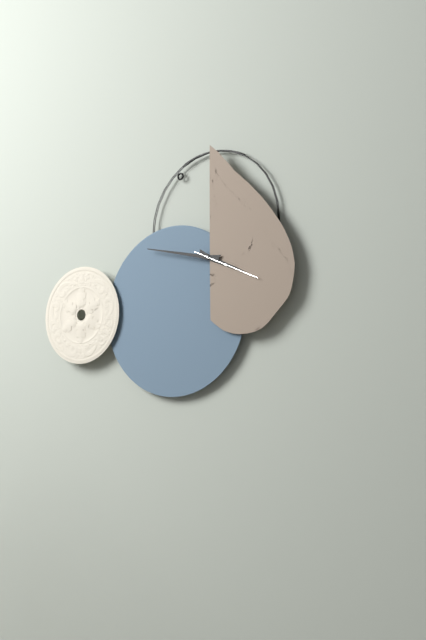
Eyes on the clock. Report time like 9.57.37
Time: 3.47.19
